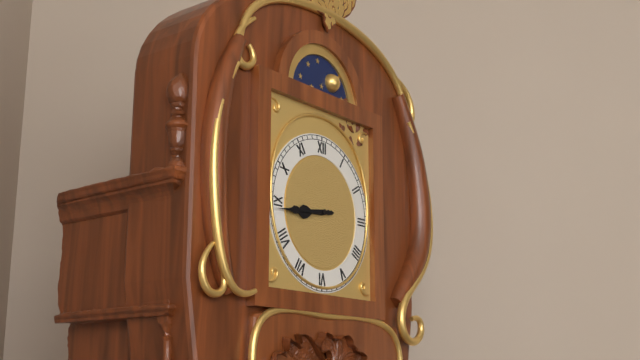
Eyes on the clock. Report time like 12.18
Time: 8.44
